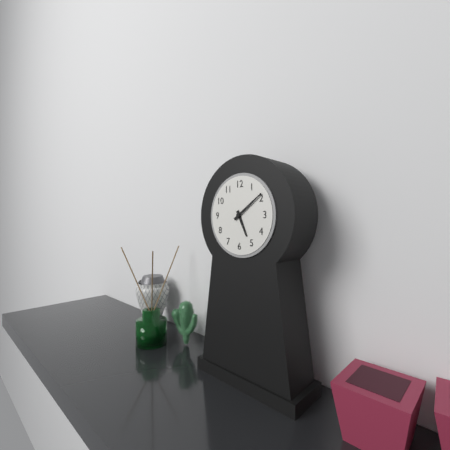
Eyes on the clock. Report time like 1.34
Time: 5.09
